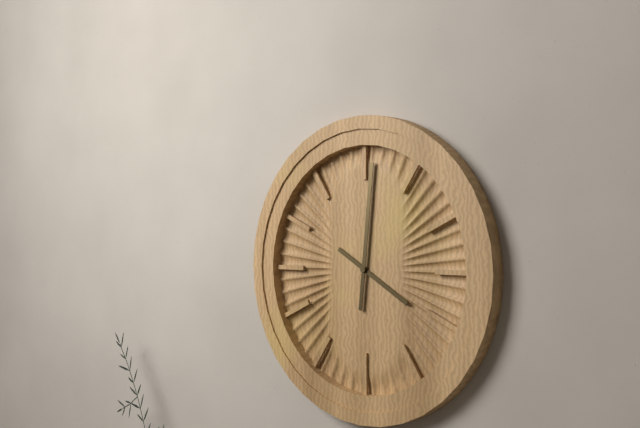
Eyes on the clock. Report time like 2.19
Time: 4.01
